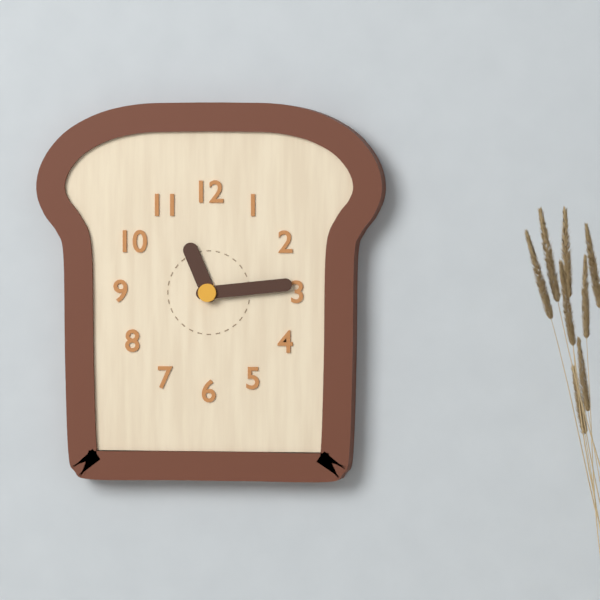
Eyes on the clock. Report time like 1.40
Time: 11.14
